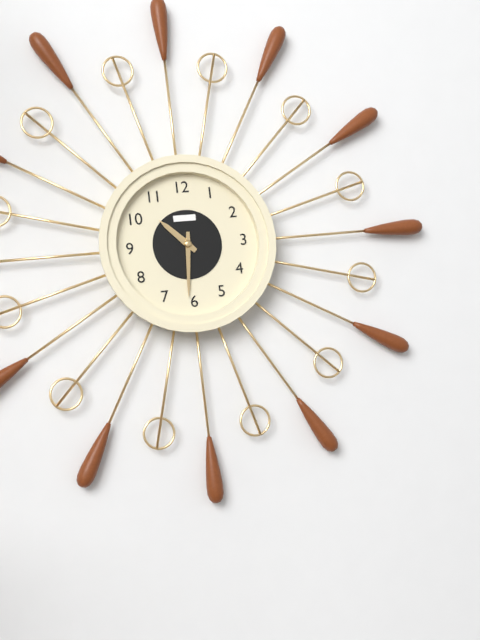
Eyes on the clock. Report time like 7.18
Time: 10.31
